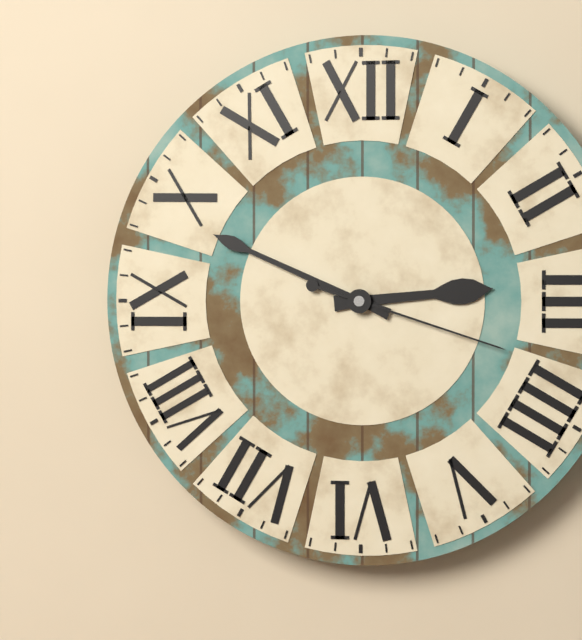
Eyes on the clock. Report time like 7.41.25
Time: 2.49.18
